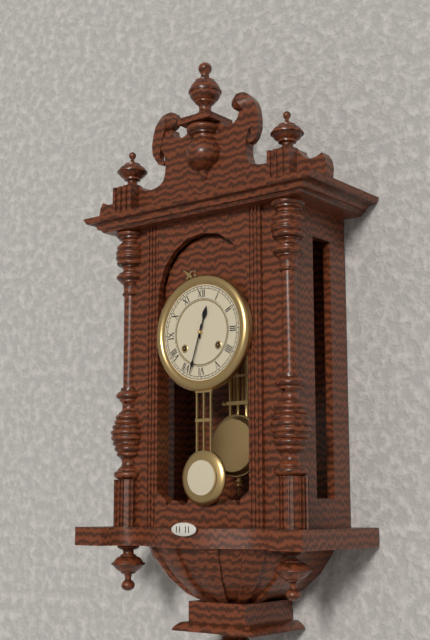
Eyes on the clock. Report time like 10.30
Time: 12.33
